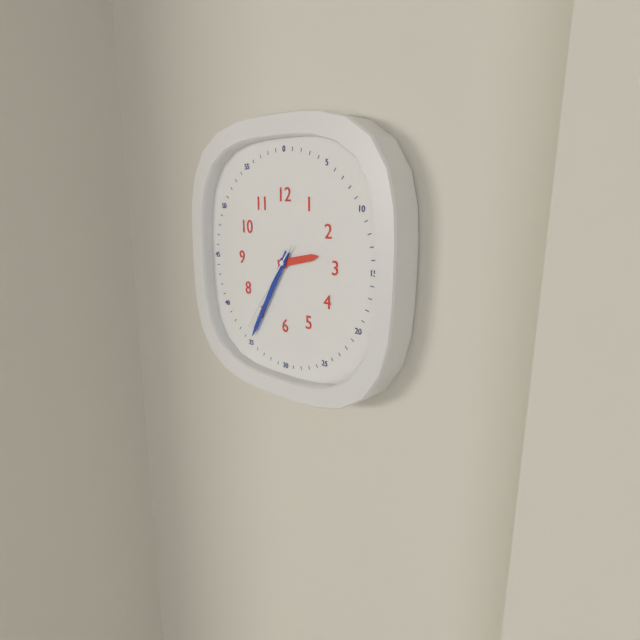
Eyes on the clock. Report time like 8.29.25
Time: 2.35.36
